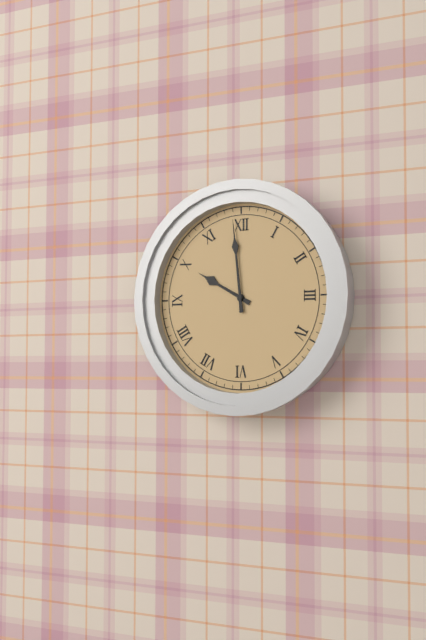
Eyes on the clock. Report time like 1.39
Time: 9.59
